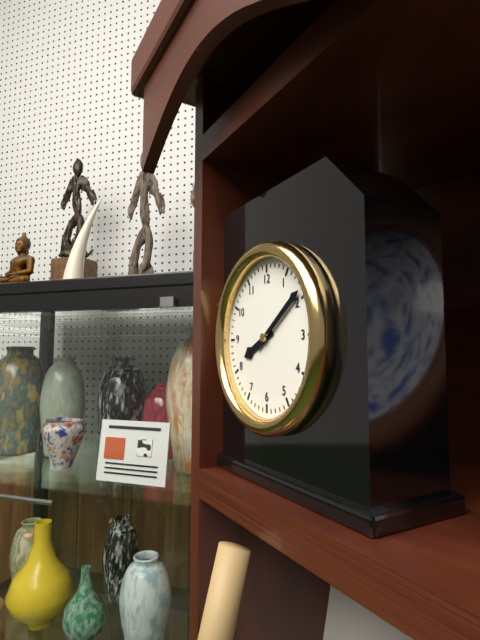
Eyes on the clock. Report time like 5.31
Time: 8.09
